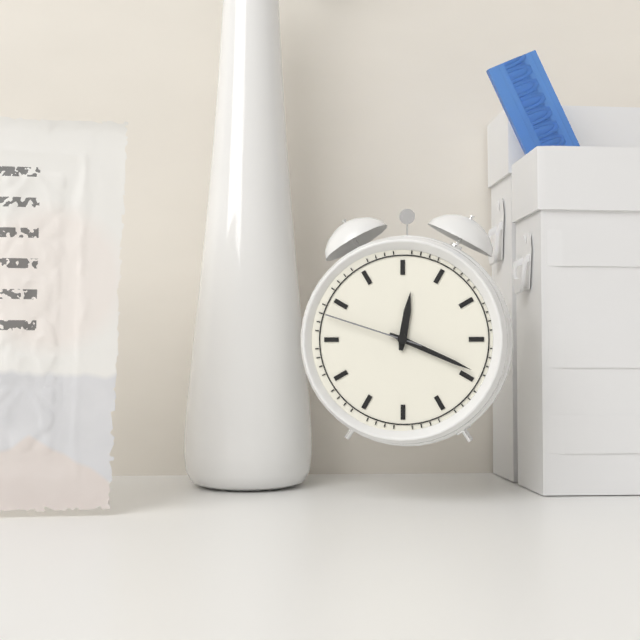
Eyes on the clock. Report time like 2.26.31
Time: 12.19.48
